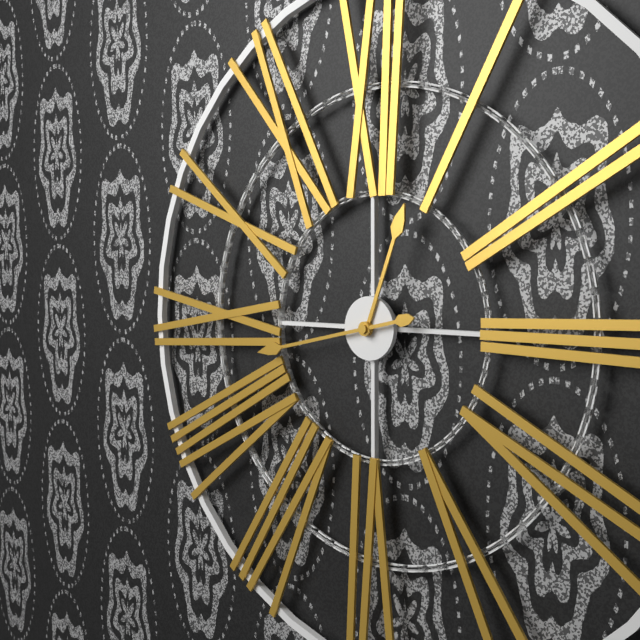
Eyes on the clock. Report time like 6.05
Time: 12.43
